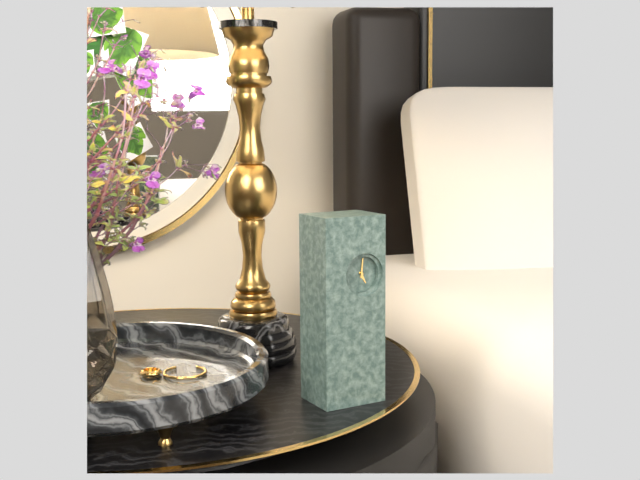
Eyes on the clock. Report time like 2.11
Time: 5.01
